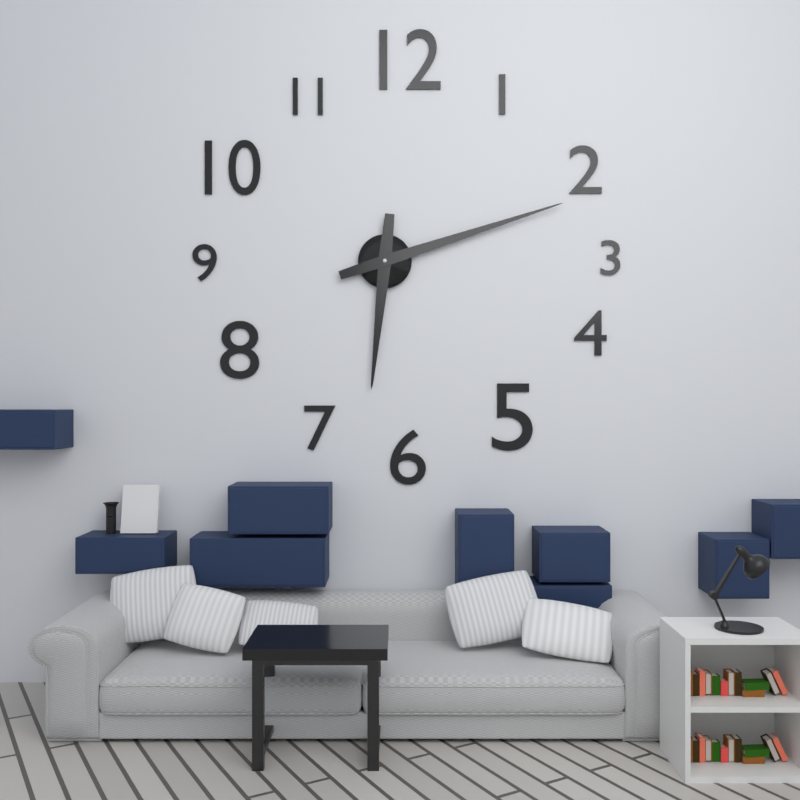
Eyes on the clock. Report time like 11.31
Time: 6.12
